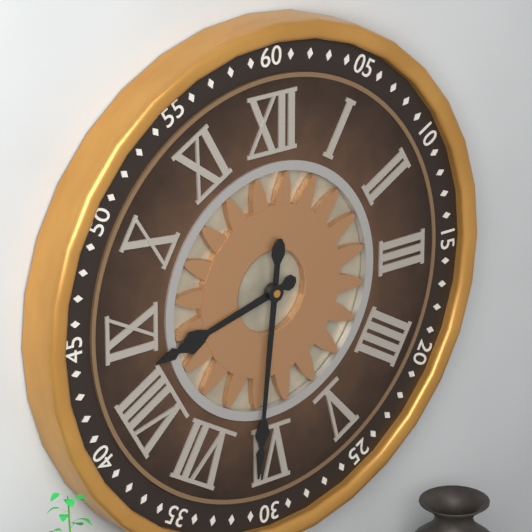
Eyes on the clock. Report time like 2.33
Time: 8.31
